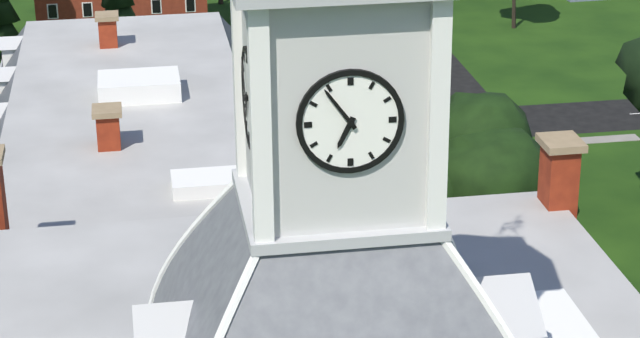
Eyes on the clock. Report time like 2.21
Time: 6.54
